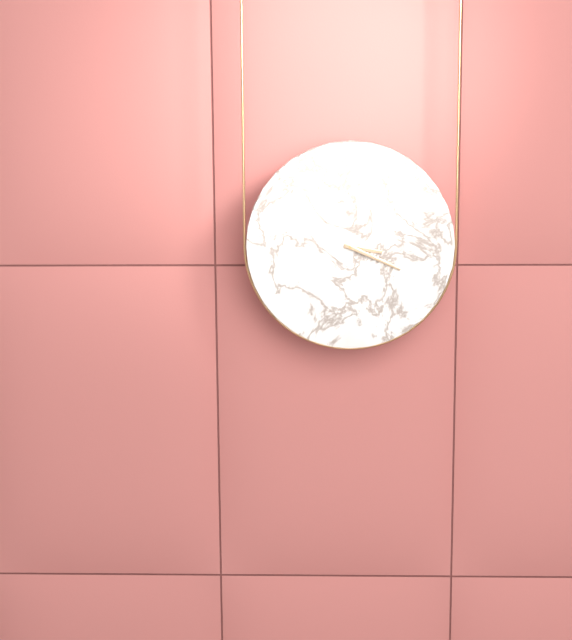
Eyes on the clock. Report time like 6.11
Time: 3.19
